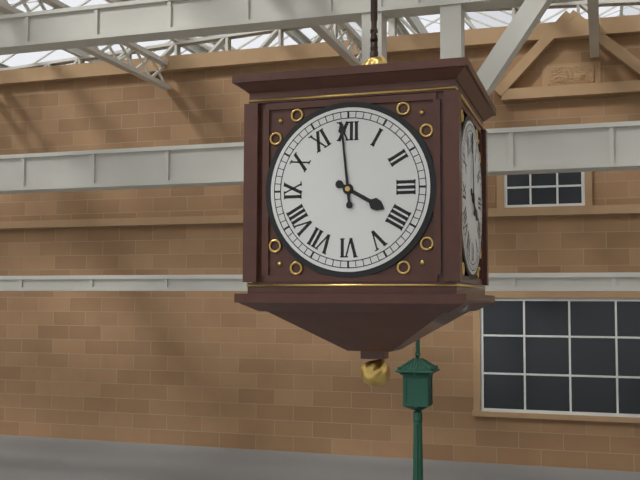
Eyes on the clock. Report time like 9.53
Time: 3.59
